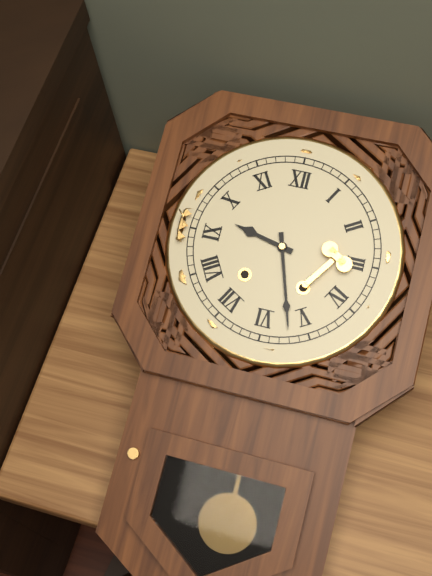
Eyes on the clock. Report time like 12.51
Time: 9.27
